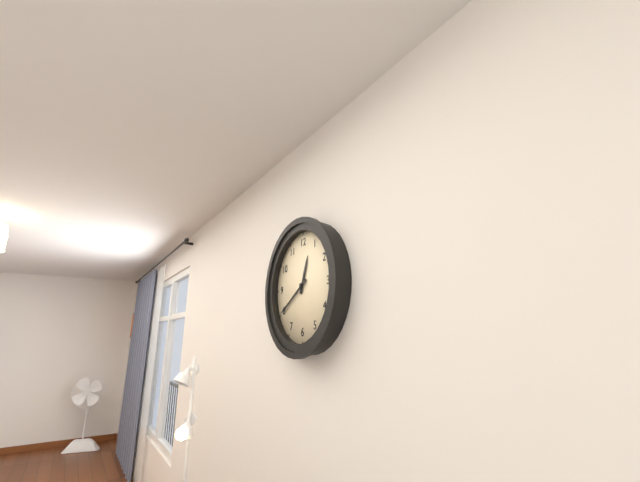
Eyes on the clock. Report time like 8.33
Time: 12.40
